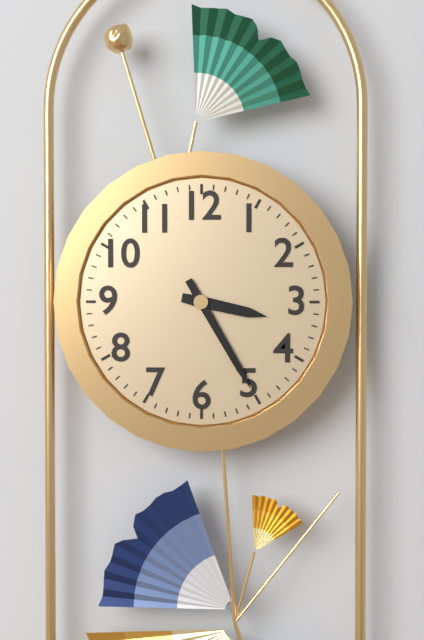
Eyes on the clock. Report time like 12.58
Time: 3.25
